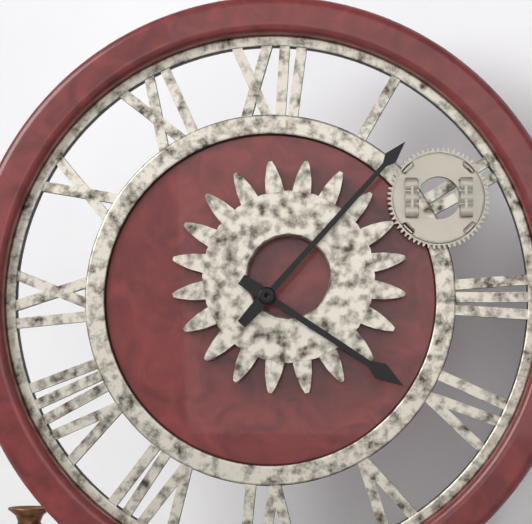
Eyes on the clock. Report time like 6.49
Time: 4.07
